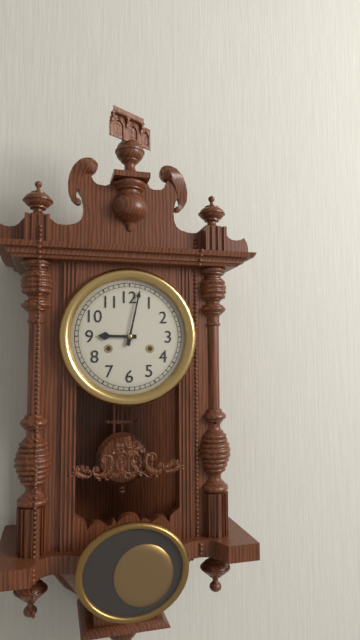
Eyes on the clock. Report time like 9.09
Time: 9.02
